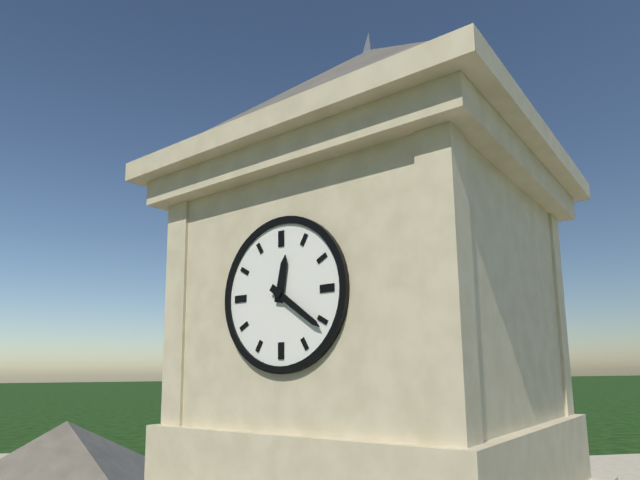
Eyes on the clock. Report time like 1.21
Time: 12.21
